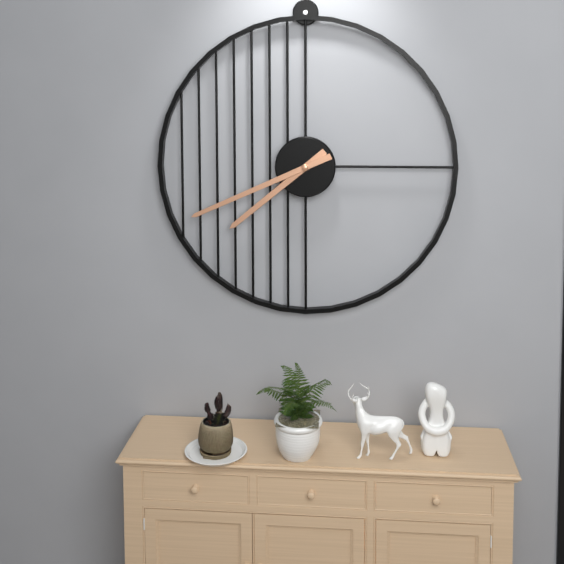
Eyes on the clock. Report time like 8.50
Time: 7.41
